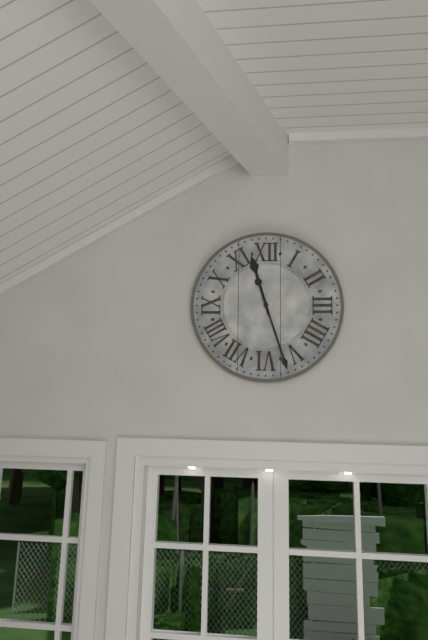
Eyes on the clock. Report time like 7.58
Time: 11.27
